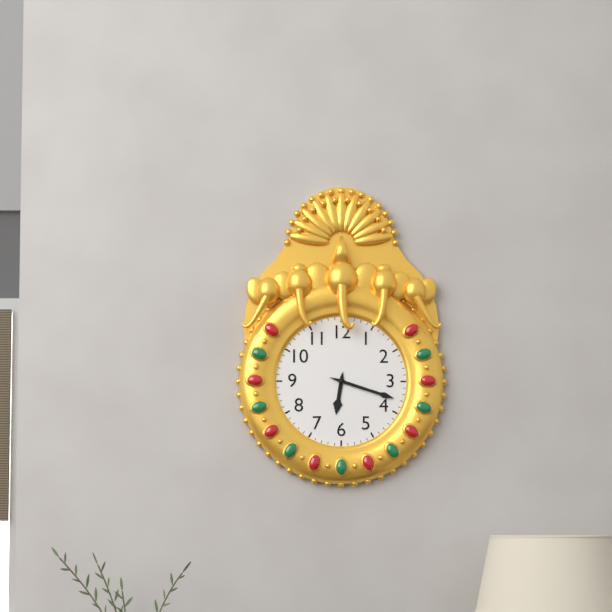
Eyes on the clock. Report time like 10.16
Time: 6.18
